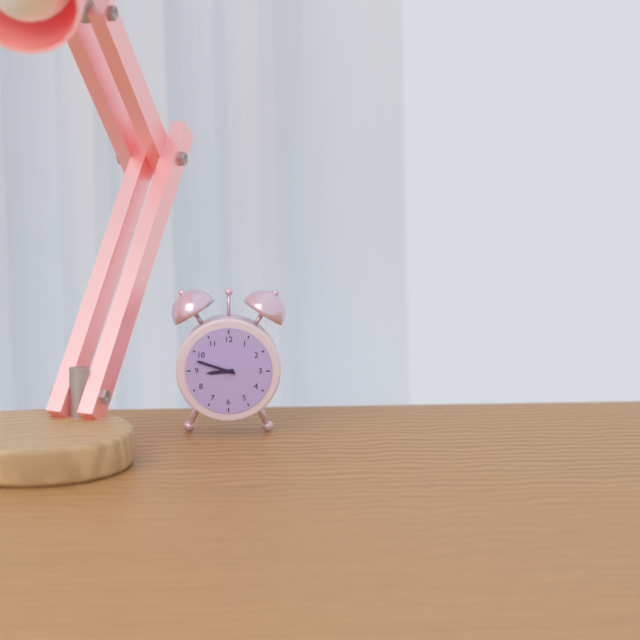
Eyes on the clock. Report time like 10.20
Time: 8.48
